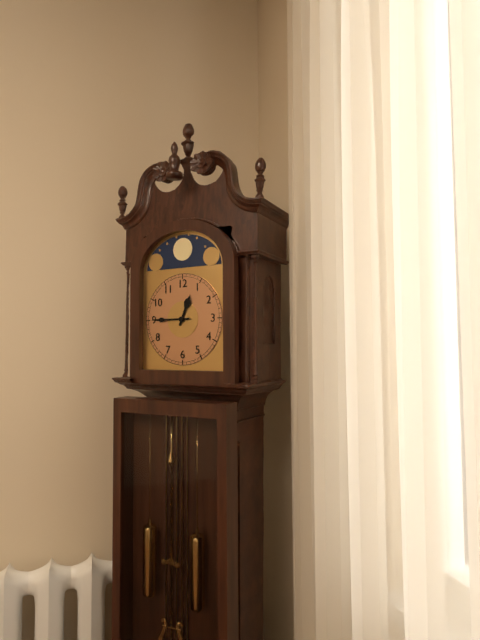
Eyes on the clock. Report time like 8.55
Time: 12.45
